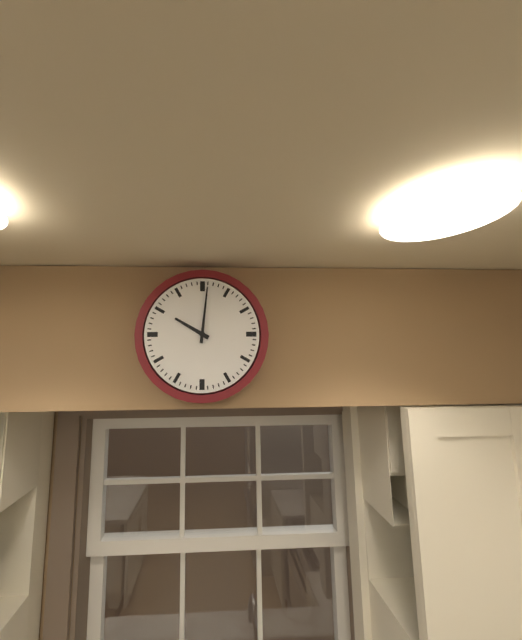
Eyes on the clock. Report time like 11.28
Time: 10.01
